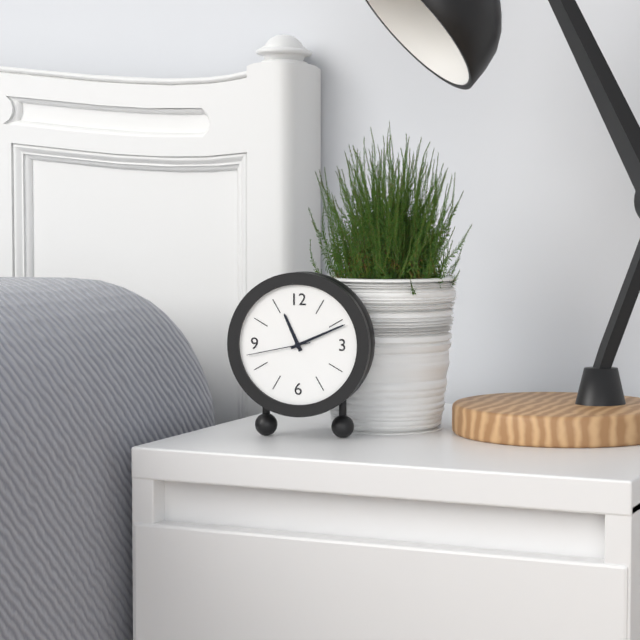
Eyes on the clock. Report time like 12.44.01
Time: 11.11.43
